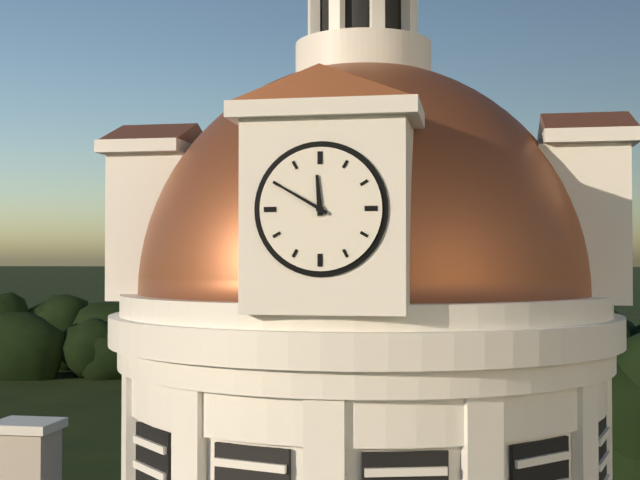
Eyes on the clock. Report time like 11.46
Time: 11.50
